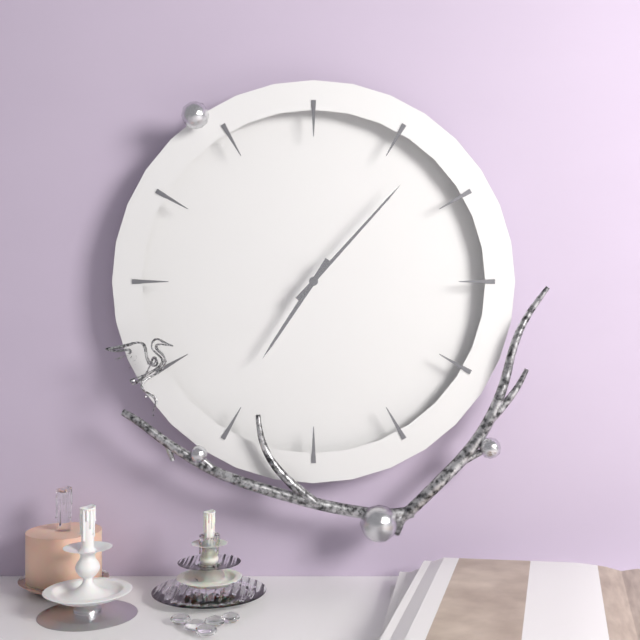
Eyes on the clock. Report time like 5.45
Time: 7.07
